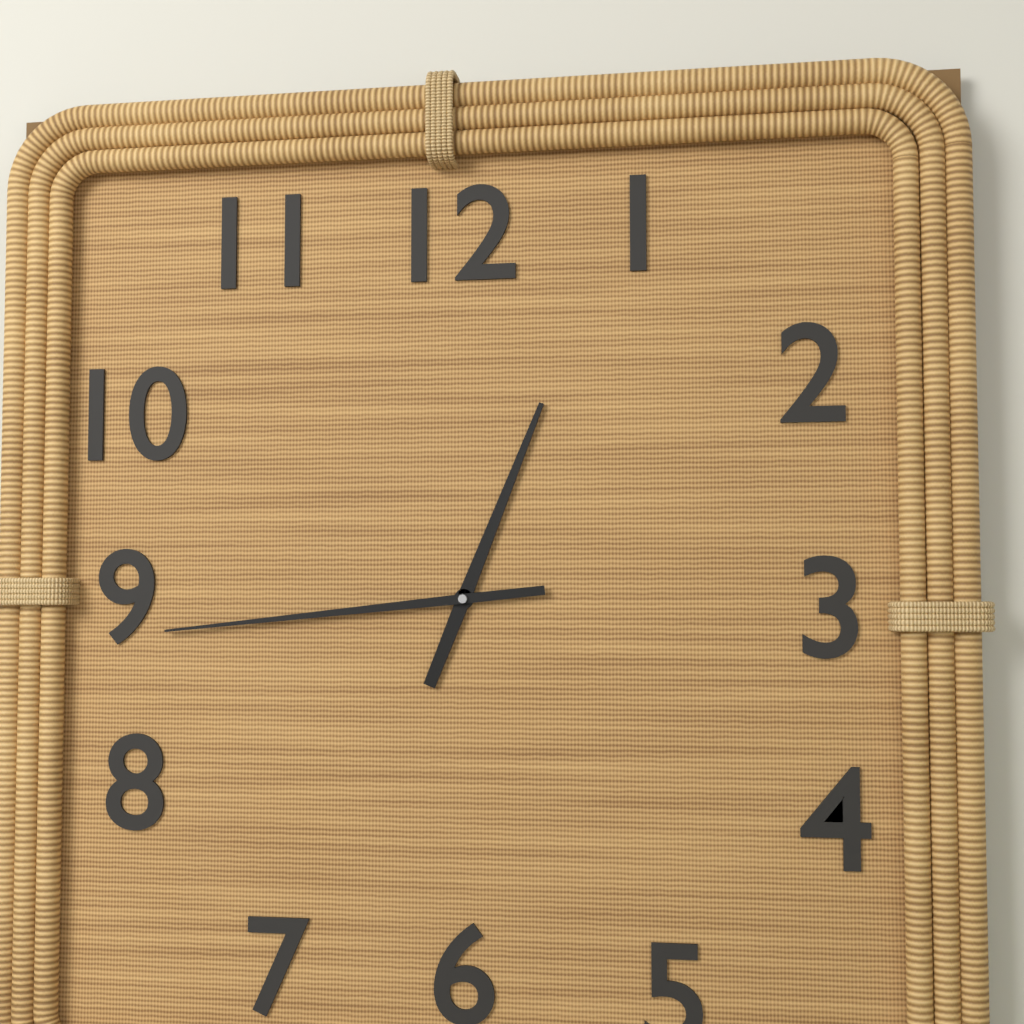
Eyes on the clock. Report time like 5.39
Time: 12.44
